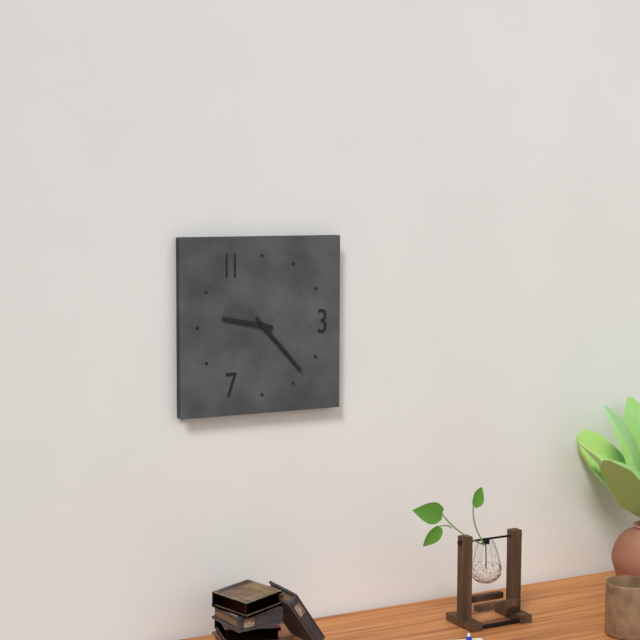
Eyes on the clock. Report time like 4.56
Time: 9.23
